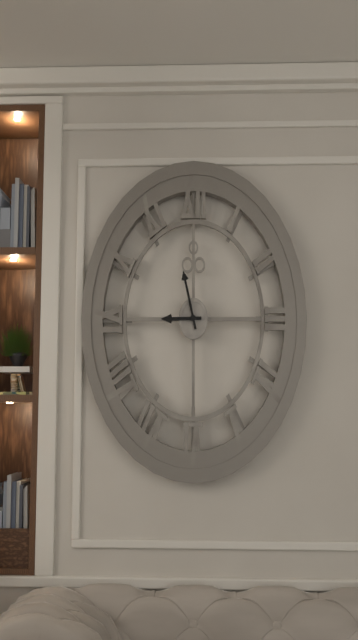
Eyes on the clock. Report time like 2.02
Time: 8.58
